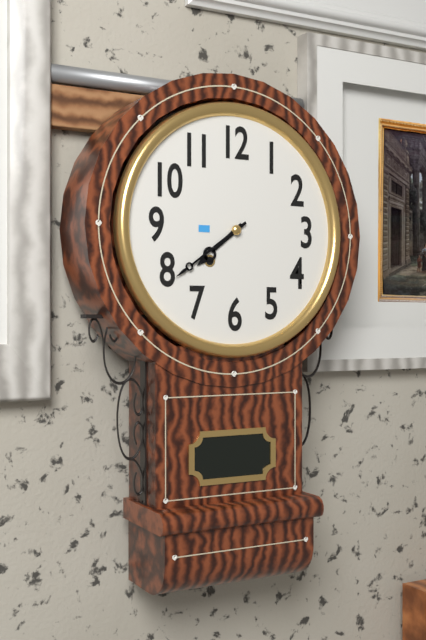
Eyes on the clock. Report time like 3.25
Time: 7.39
